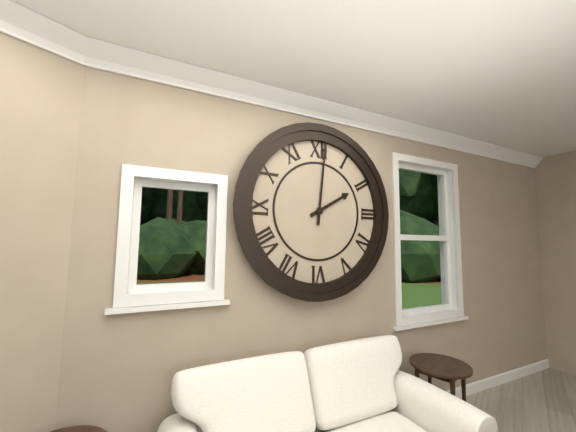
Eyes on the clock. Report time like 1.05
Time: 2.01
